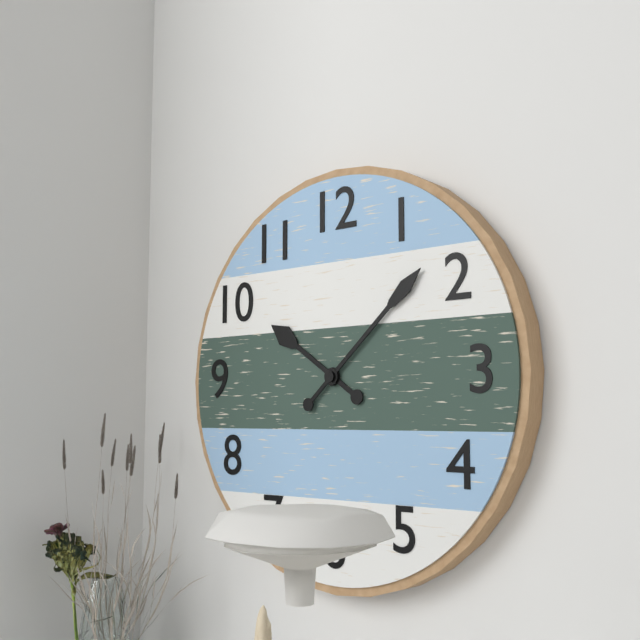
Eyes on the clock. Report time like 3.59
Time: 10.08
